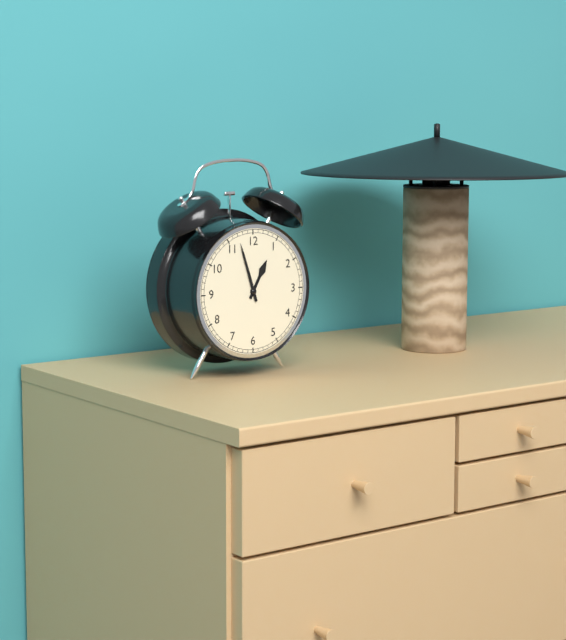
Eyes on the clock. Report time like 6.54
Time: 12.57
